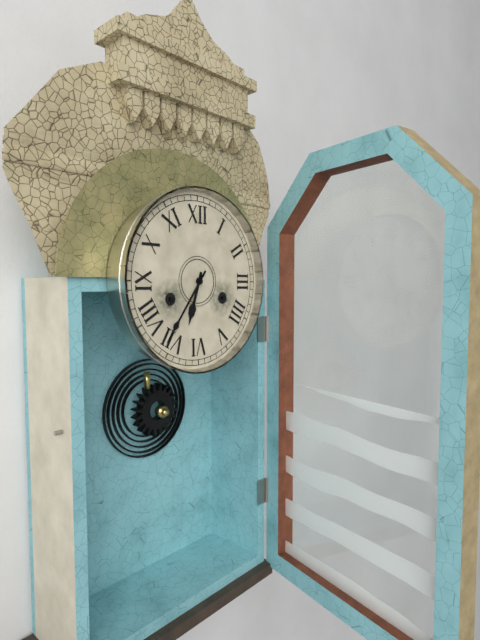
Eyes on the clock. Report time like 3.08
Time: 6.36
